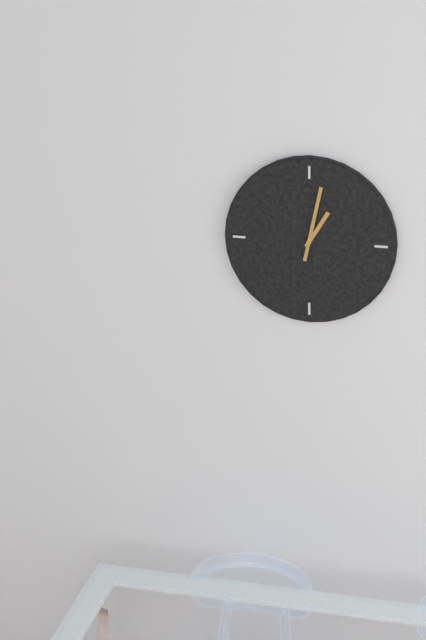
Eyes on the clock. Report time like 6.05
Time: 1.02
